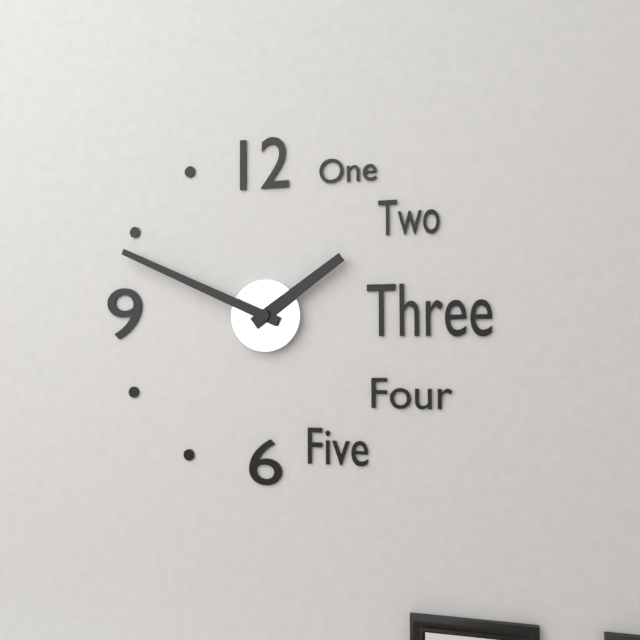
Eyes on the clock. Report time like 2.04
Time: 1.49
